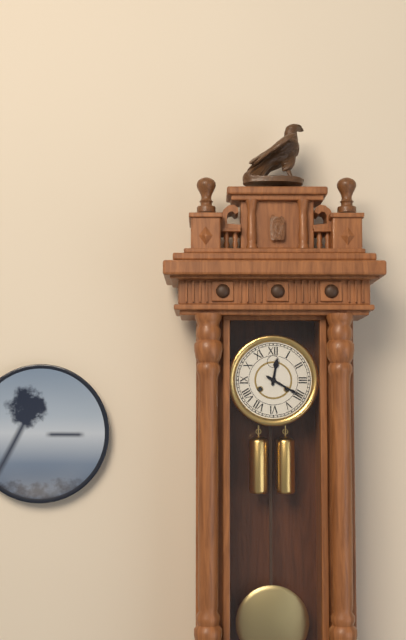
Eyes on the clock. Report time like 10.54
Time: 12.20
